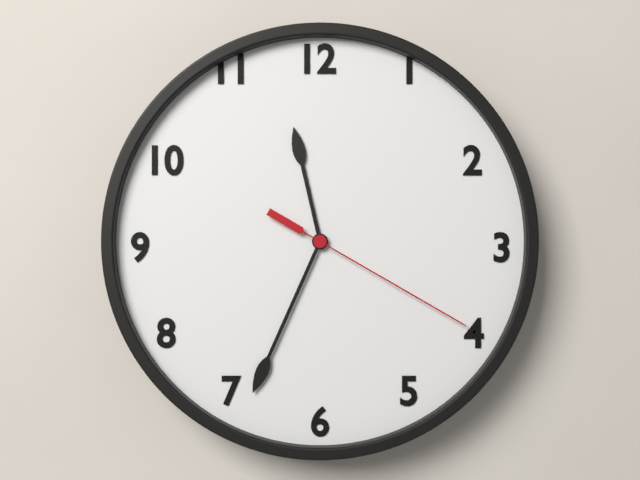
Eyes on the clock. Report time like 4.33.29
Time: 11.34.20
